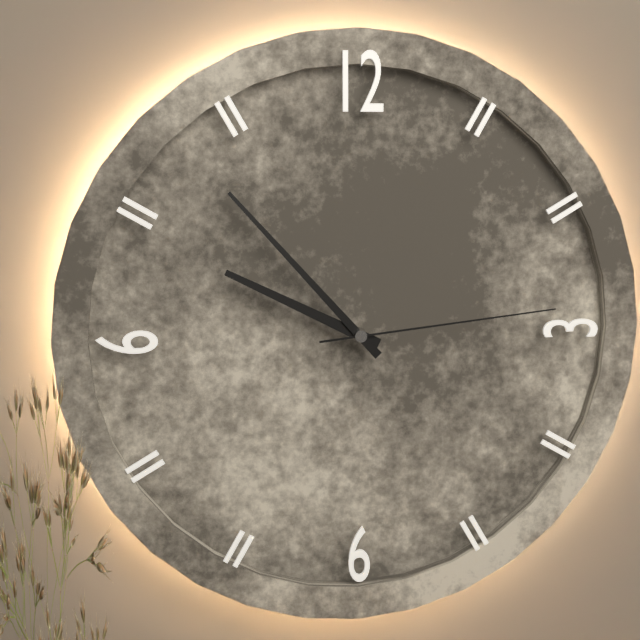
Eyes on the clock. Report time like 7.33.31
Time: 9.53.14
